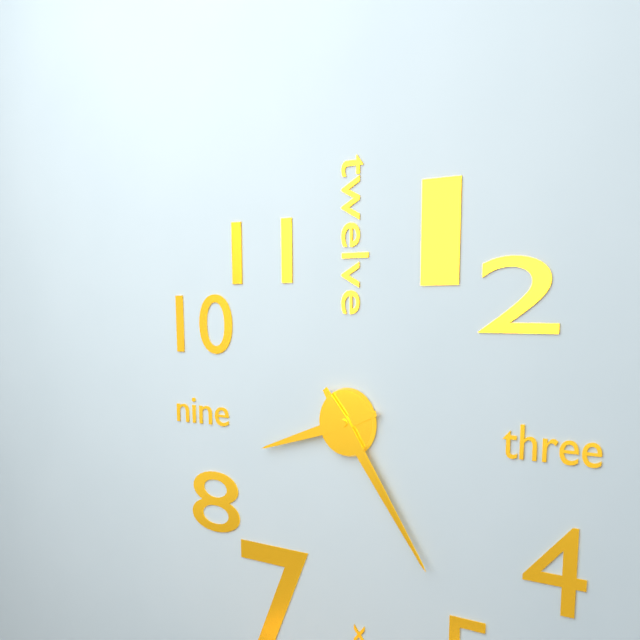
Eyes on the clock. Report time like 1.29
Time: 8.24
